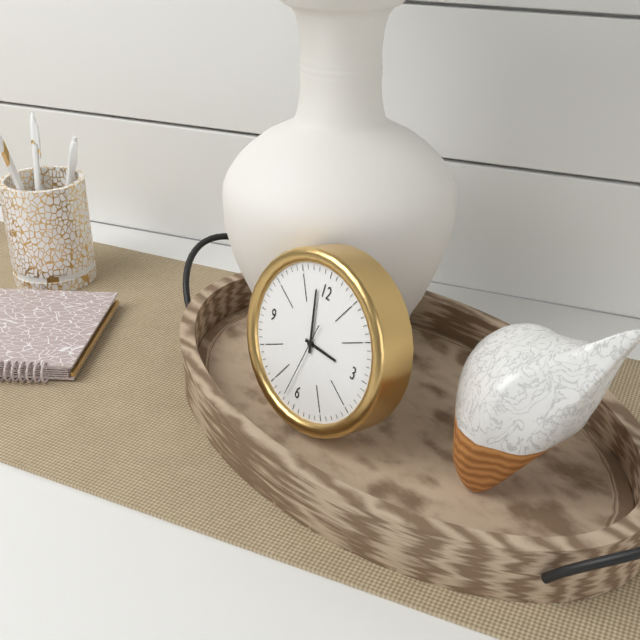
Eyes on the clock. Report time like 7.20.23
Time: 2.58.32
